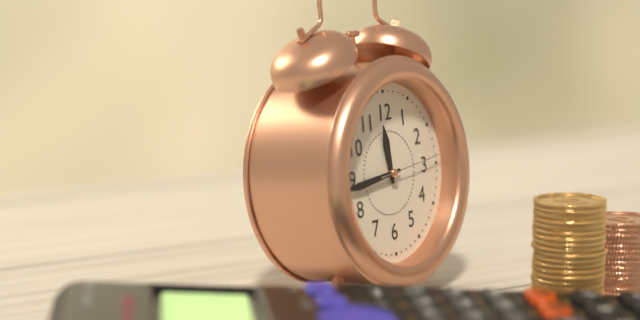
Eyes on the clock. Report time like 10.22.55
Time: 11.44.14
